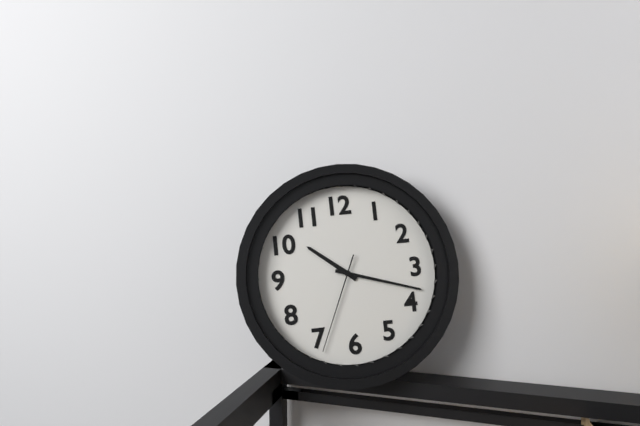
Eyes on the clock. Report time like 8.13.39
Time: 10.18.34
